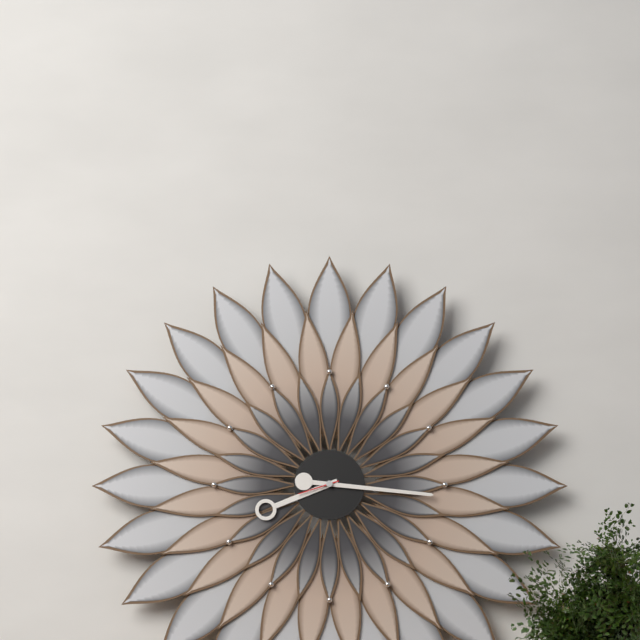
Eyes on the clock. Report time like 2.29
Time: 8.16
